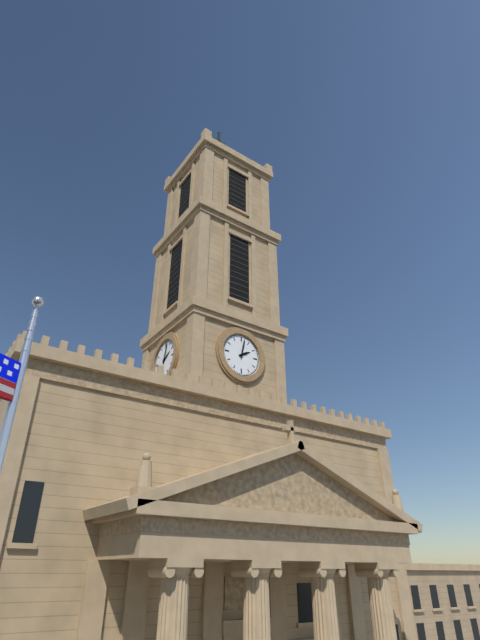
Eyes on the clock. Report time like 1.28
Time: 2.02
